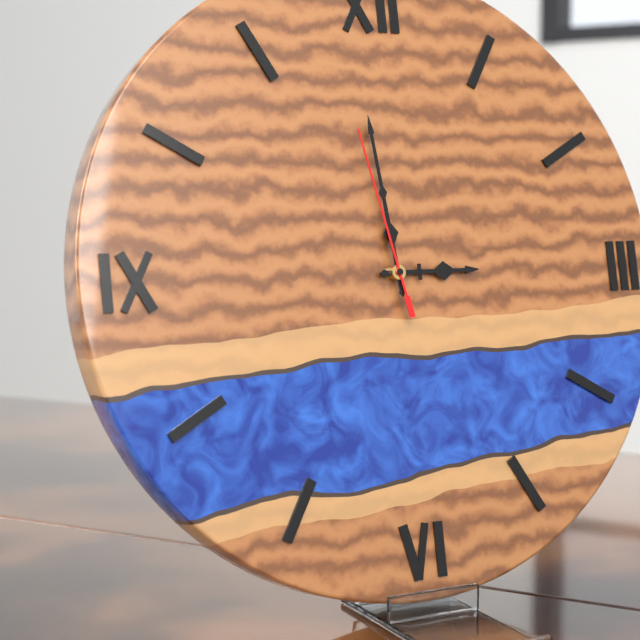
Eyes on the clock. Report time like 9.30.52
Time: 2.59.58
